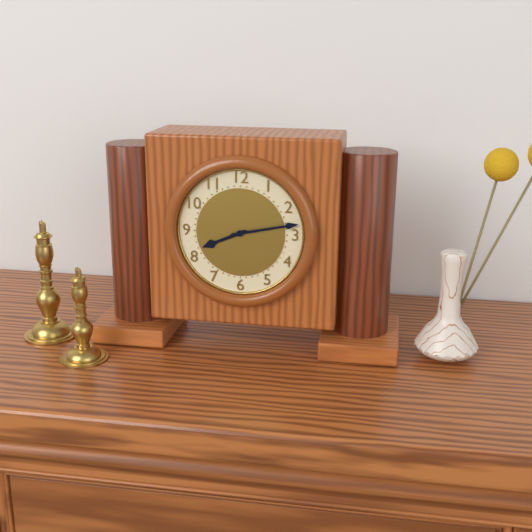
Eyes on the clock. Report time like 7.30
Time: 8.13
